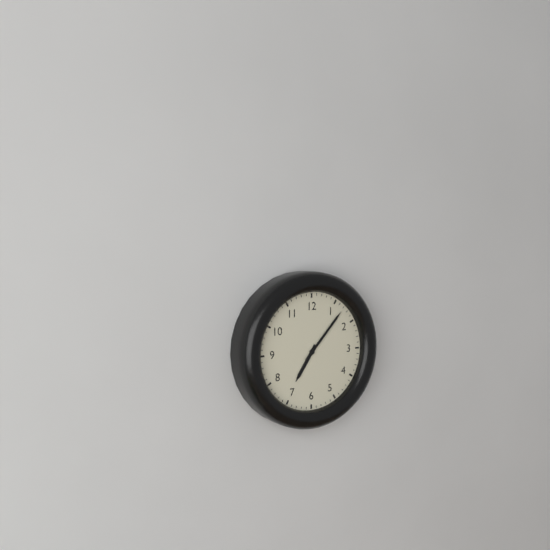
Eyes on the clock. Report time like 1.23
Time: 7.07
